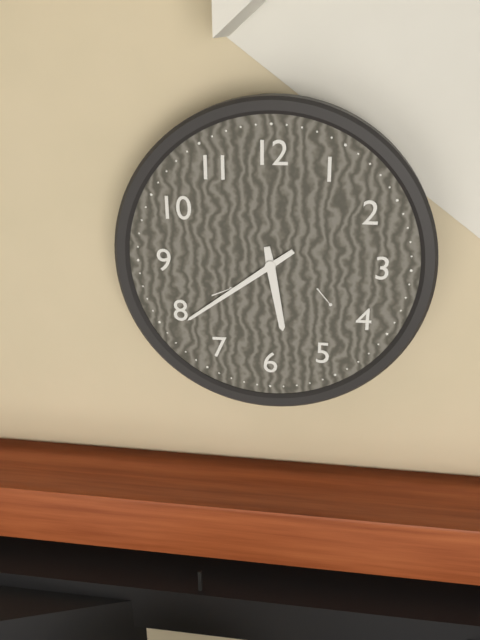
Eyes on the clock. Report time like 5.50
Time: 5.39
